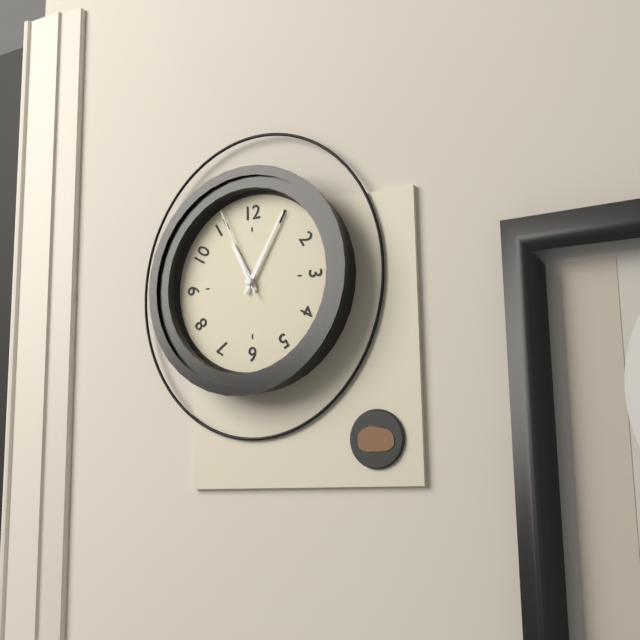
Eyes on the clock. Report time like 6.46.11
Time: 11.05.56
